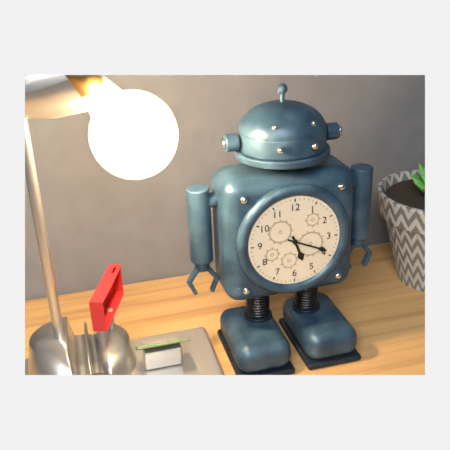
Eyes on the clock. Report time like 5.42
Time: 5.19
